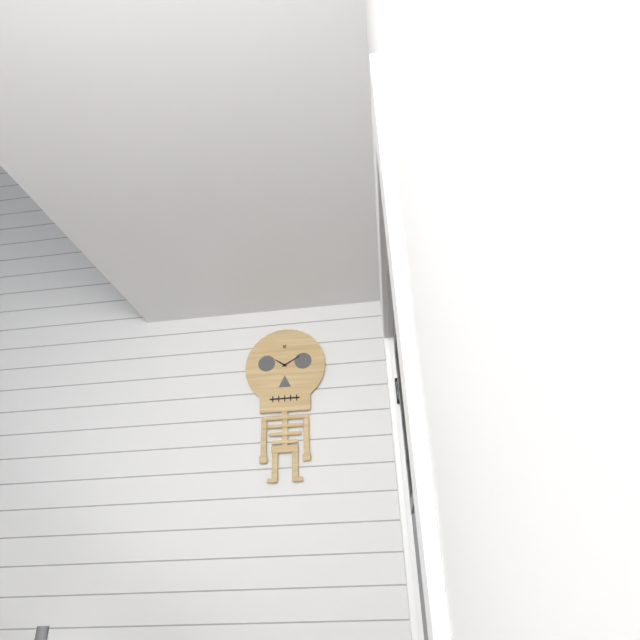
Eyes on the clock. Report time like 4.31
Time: 10.10
